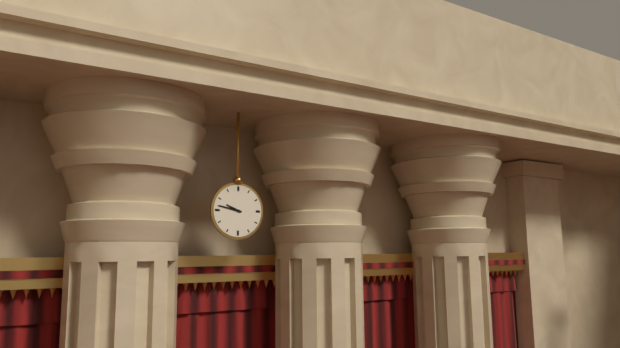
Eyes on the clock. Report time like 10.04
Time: 9.47
